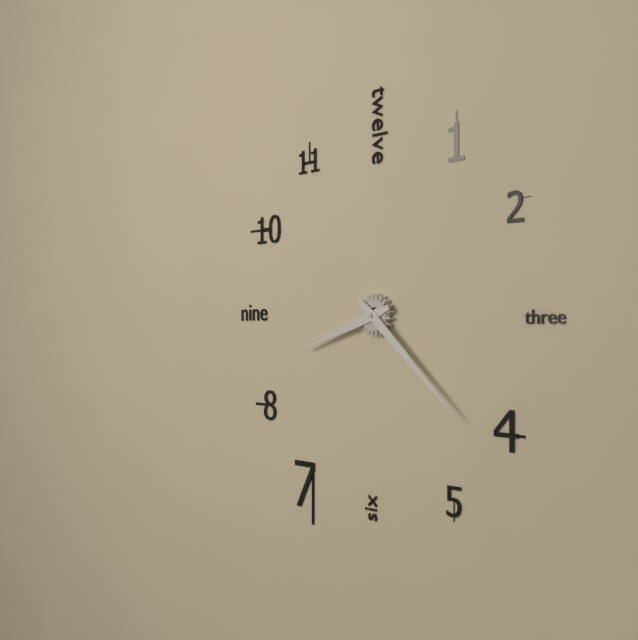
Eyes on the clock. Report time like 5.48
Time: 8.22
